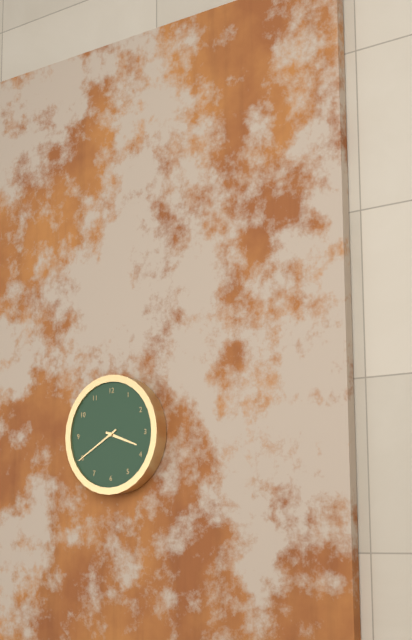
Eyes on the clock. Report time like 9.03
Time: 3.40
